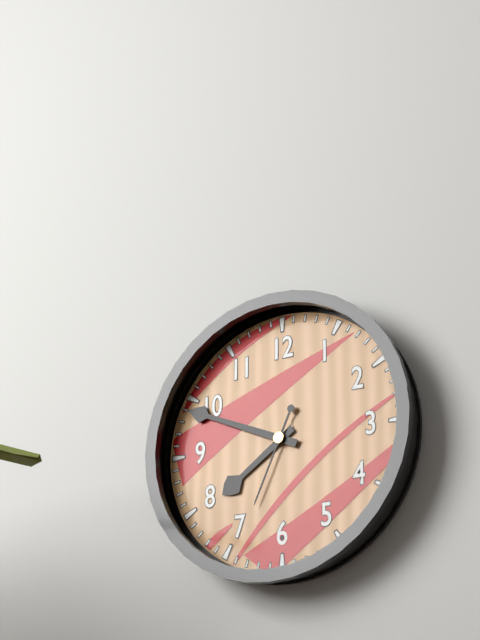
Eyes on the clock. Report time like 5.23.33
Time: 7.49.34
